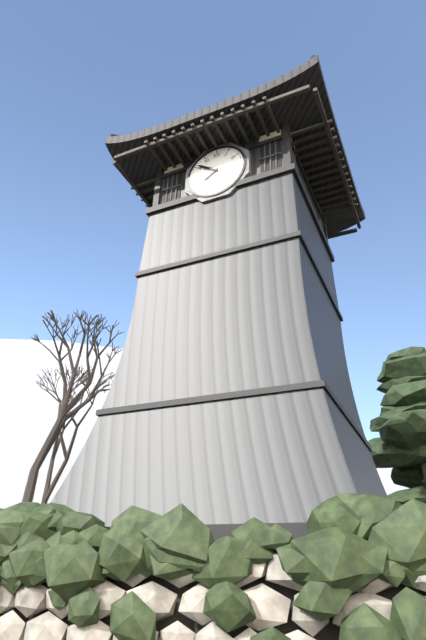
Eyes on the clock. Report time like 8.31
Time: 7.51
